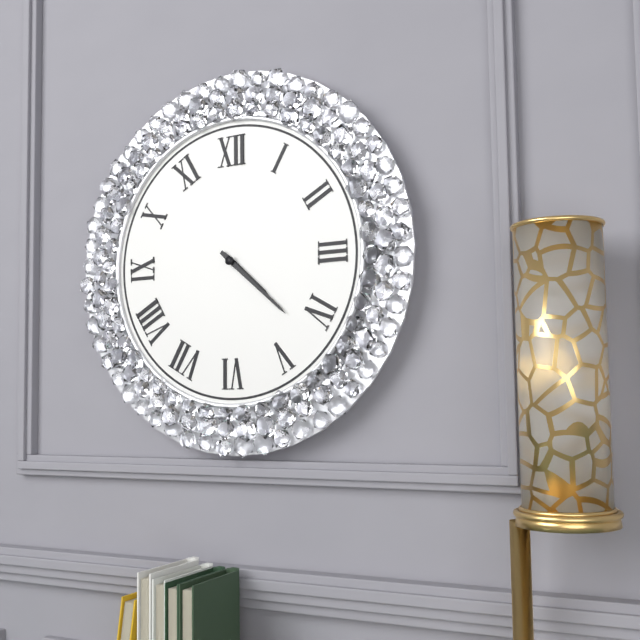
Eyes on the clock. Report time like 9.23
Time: 4.22
